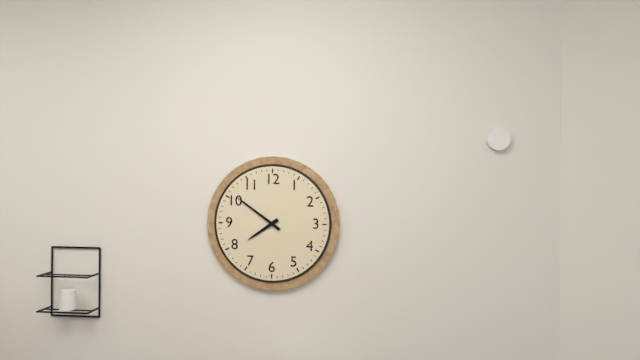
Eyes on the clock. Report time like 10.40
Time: 7.51
